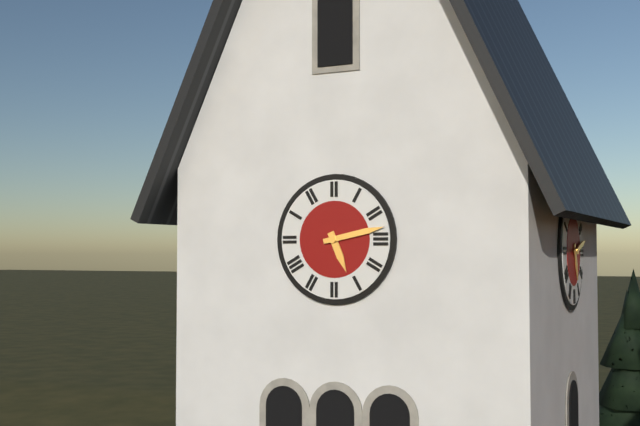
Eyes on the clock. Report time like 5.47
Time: 5.13
